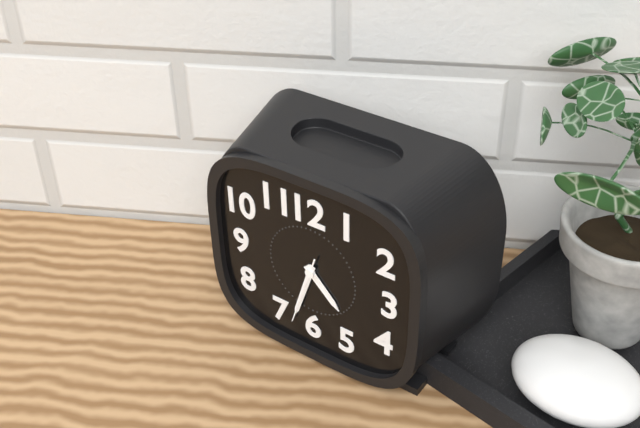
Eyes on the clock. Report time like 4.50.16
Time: 4.33.33
